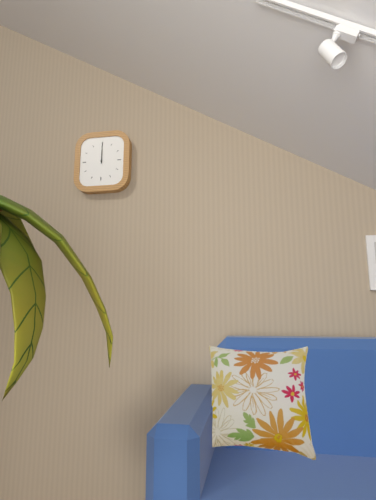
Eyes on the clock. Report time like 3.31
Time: 12.00
